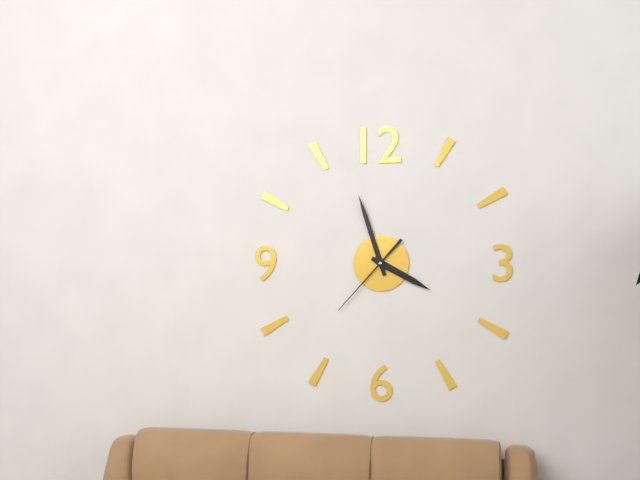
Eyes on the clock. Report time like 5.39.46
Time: 3.57.37
